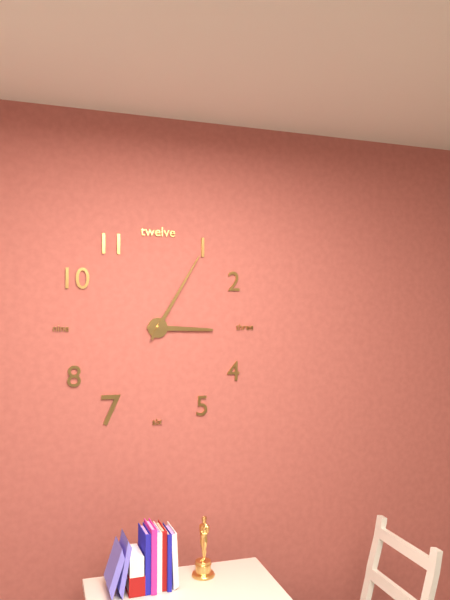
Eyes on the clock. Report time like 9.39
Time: 3.05
